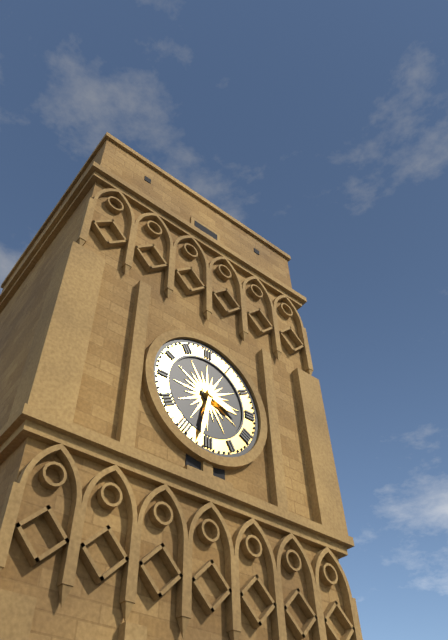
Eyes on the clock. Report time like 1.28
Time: 3.32
